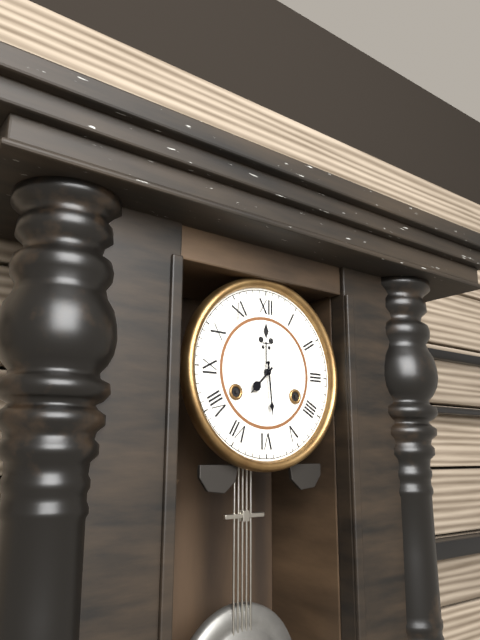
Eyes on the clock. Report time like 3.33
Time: 7.29
